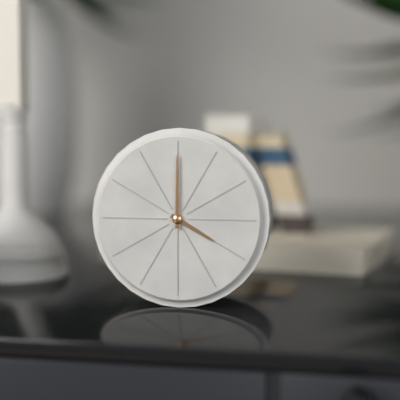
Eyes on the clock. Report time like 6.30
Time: 4.00
